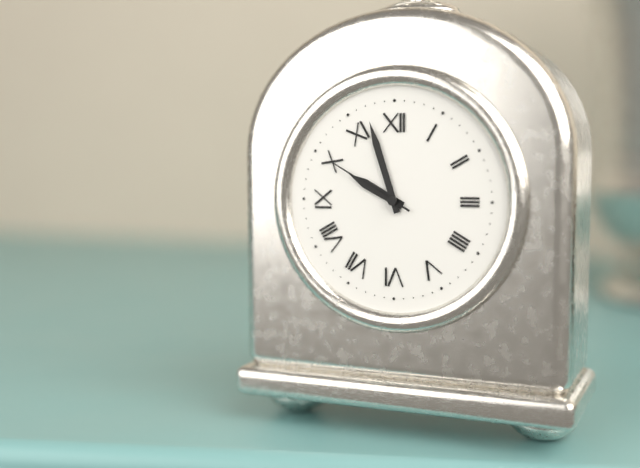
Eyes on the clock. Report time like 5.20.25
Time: 9.57.50
